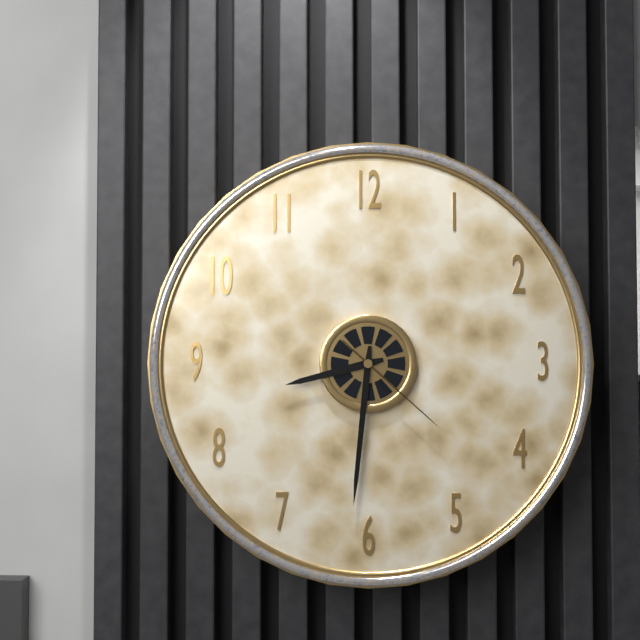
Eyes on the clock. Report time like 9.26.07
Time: 8.31.22
